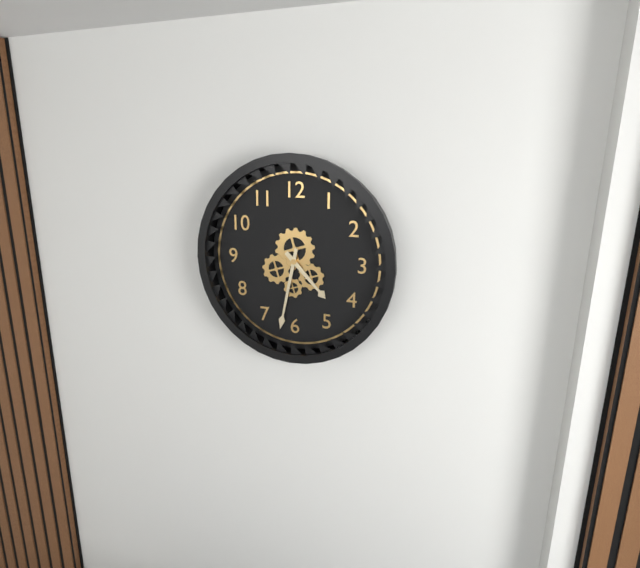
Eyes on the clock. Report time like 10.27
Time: 4.32
